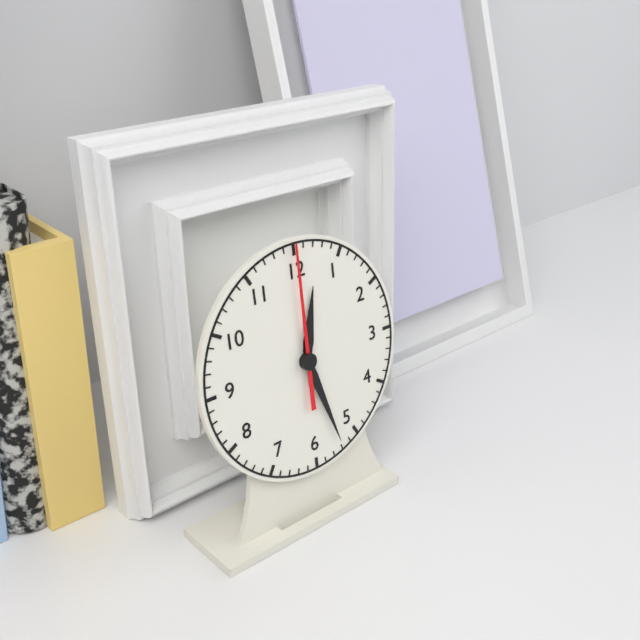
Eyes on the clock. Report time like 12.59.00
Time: 12.27.00
